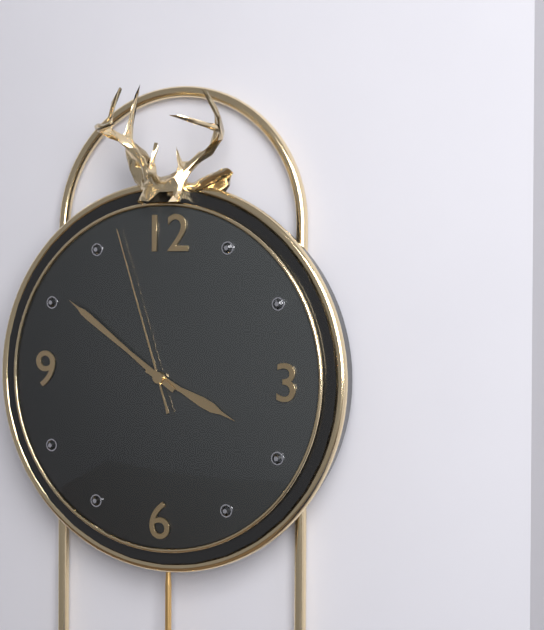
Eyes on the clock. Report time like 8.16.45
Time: 3.51.57
